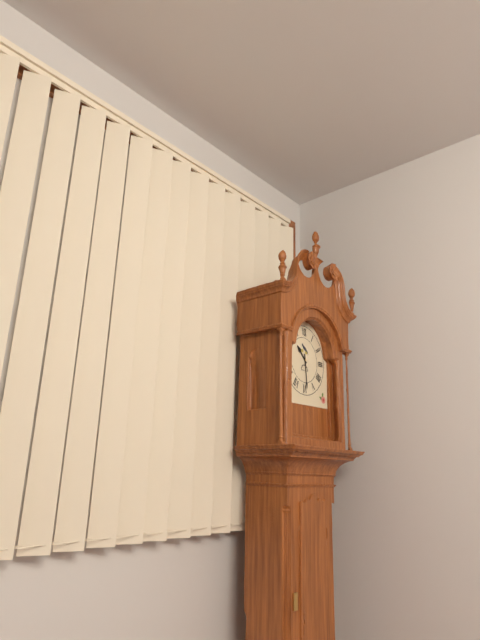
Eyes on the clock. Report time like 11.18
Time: 10.29
